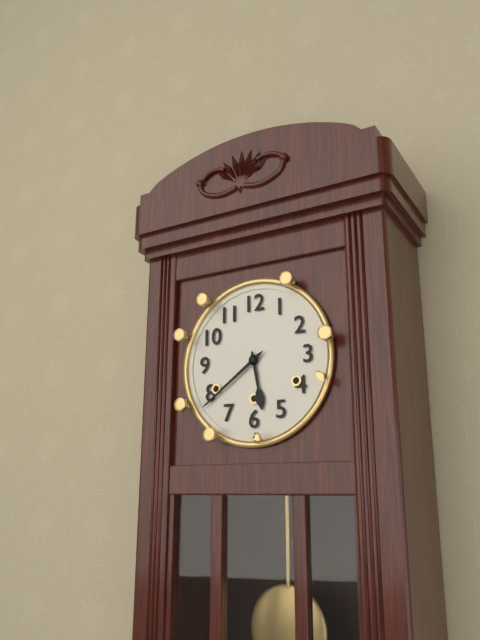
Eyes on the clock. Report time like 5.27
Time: 5.39
